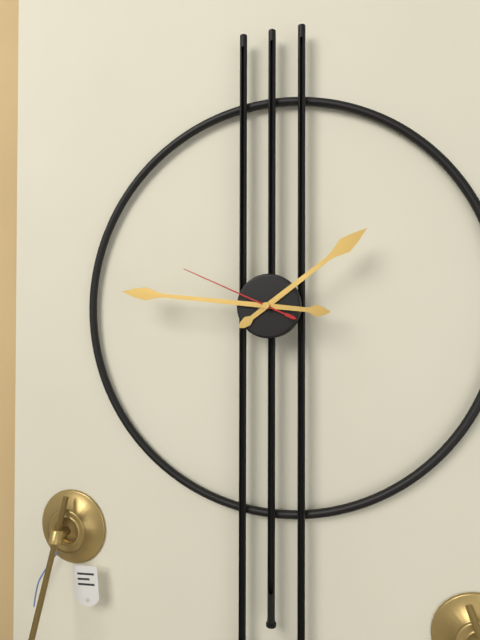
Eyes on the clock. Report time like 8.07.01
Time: 1.46.49
